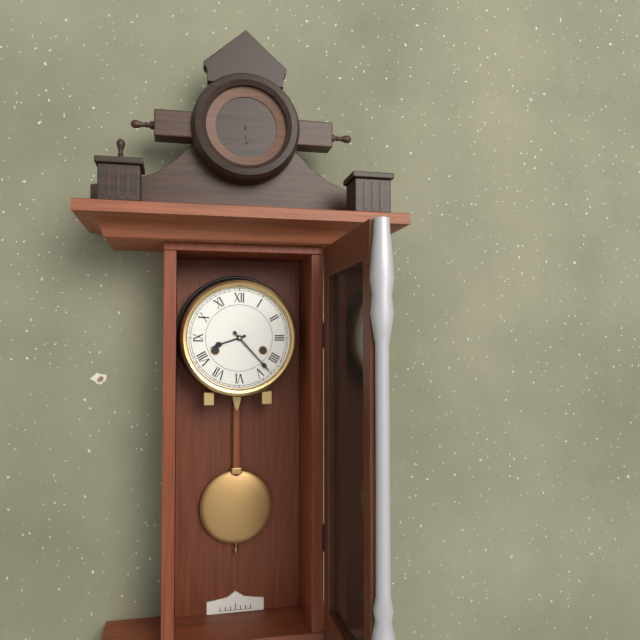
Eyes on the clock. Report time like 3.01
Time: 8.23
